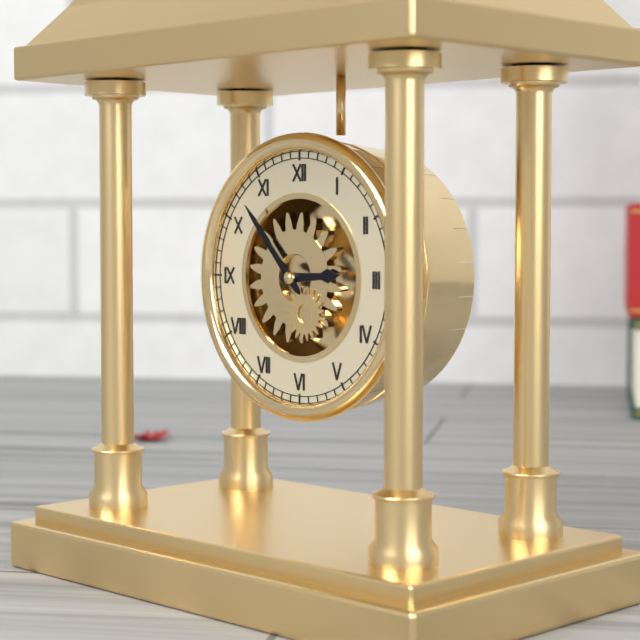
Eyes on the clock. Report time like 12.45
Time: 2.53
